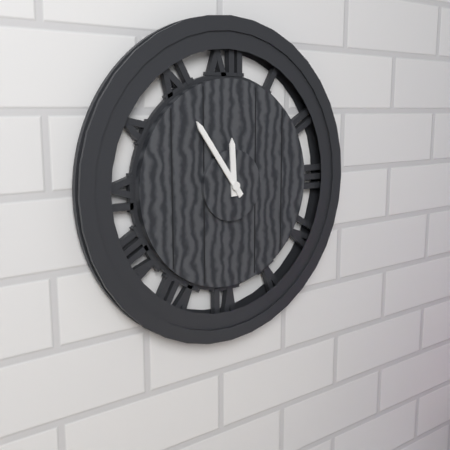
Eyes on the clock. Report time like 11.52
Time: 11.54
